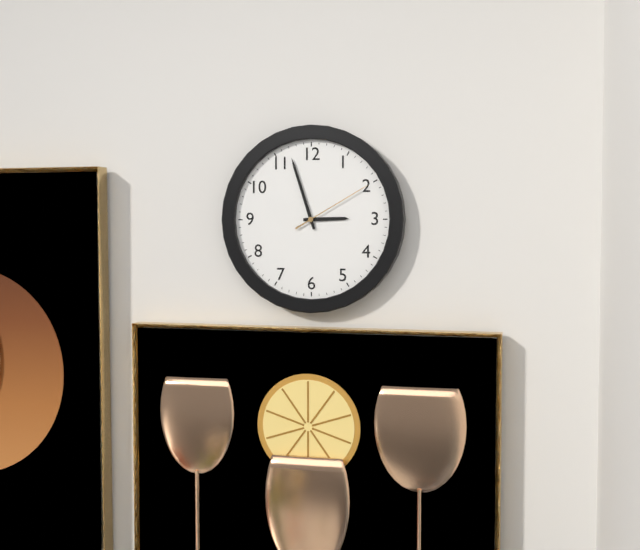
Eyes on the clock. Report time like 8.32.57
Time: 2.57.10
